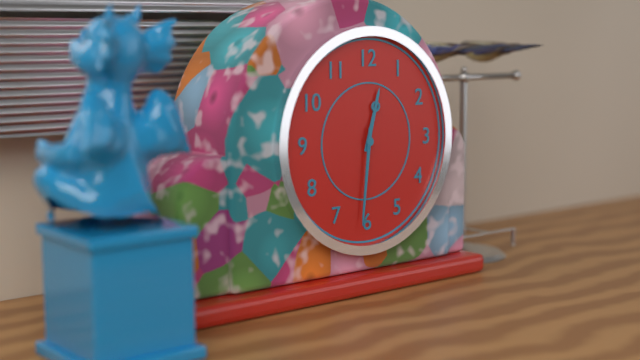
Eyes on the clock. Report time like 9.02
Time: 12.31
